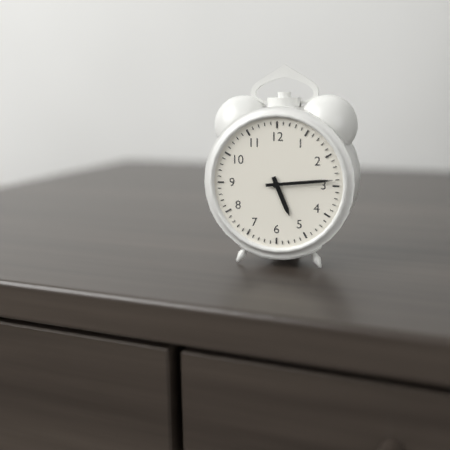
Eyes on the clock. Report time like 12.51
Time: 5.14
